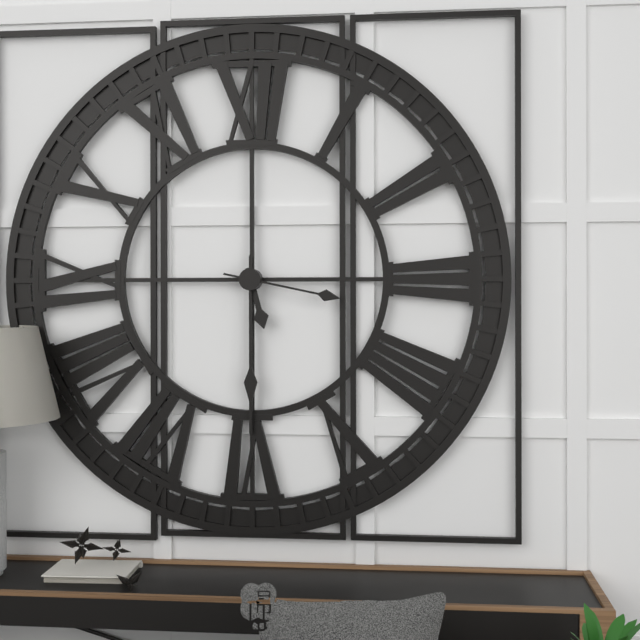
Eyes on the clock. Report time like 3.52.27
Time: 5.30.17
